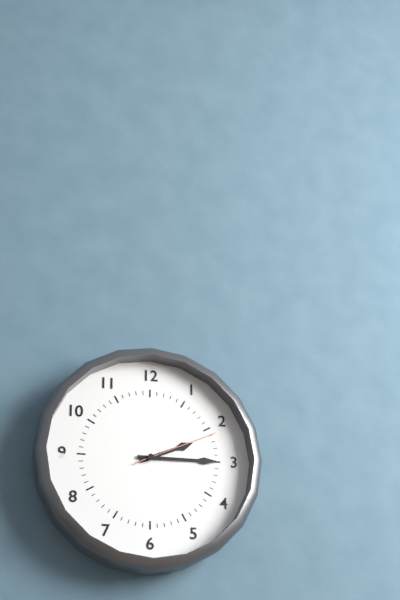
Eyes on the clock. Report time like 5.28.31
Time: 2.15.11
